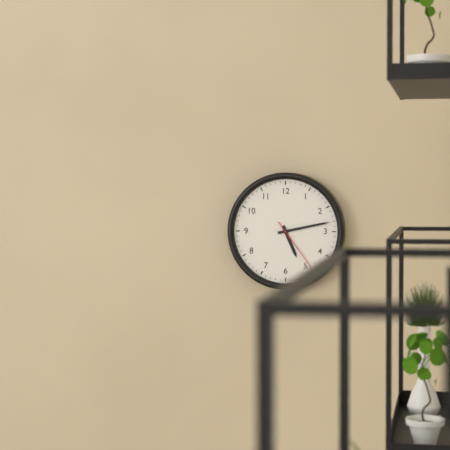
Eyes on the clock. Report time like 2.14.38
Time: 5.13.24
